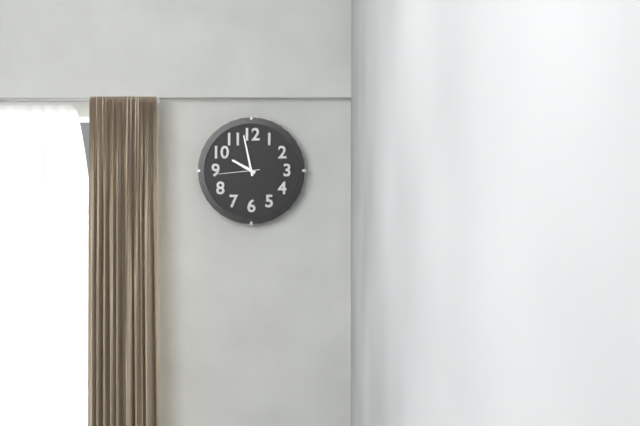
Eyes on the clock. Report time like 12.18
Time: 9.58
